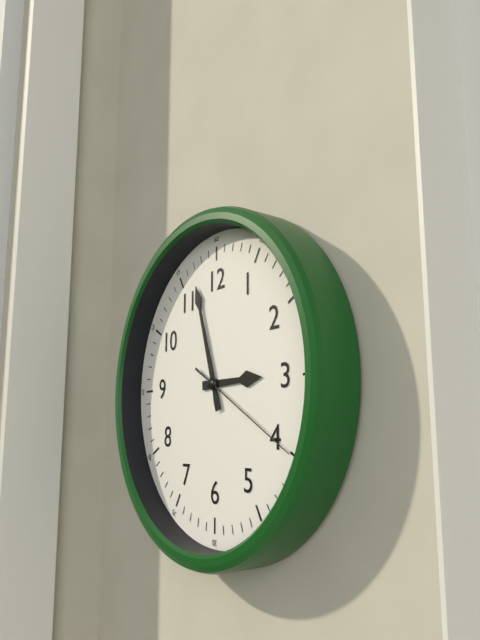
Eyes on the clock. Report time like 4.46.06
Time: 2.57.20
